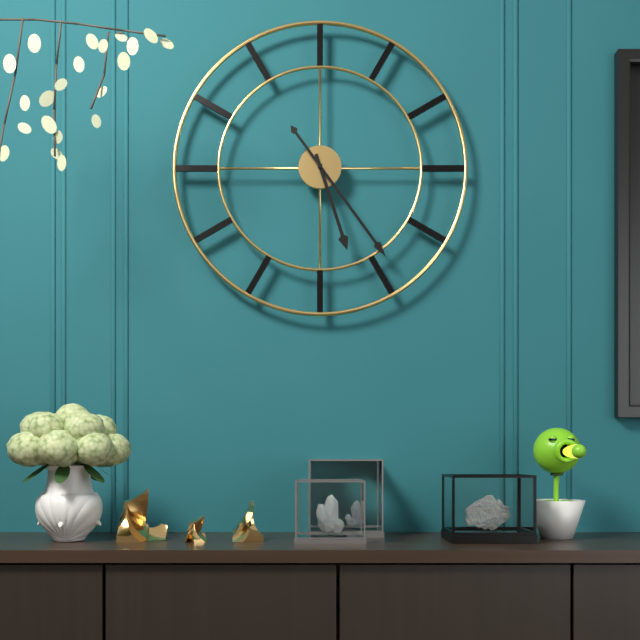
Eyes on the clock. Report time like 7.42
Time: 5.24
